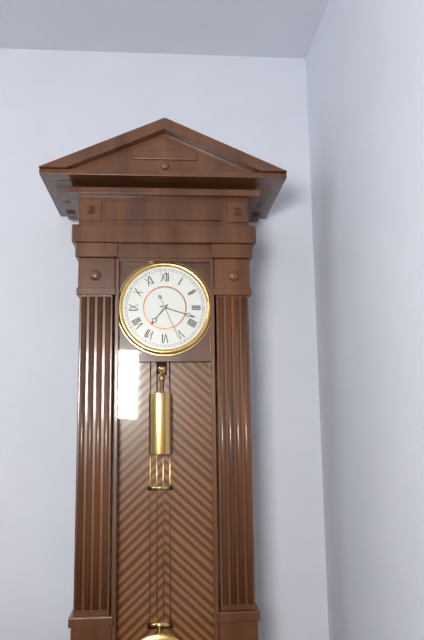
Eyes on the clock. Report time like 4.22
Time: 7.18
